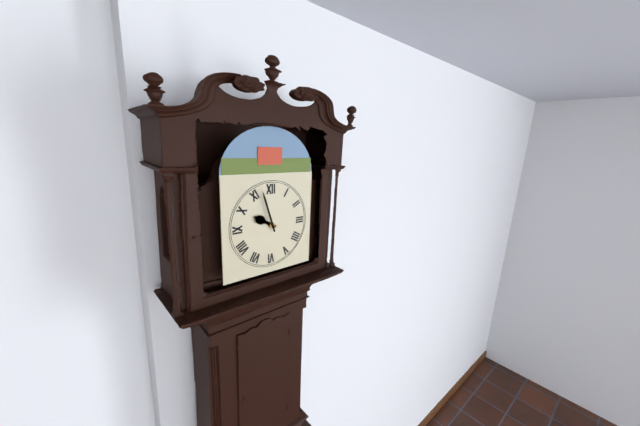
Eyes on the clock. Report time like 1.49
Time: 9.57
